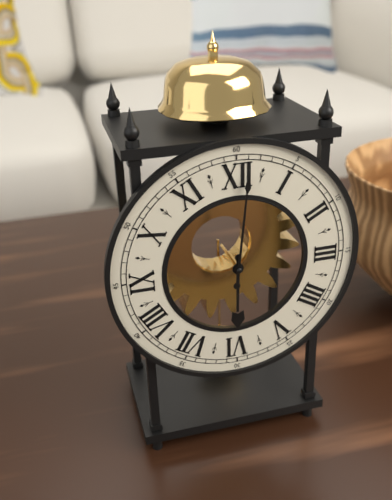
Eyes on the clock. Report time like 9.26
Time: 6.01
